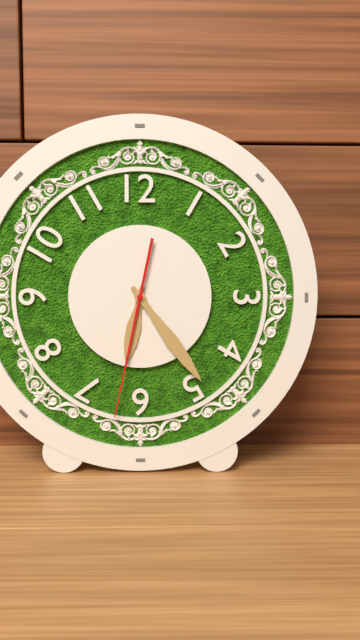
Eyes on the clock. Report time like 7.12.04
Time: 6.24.32
